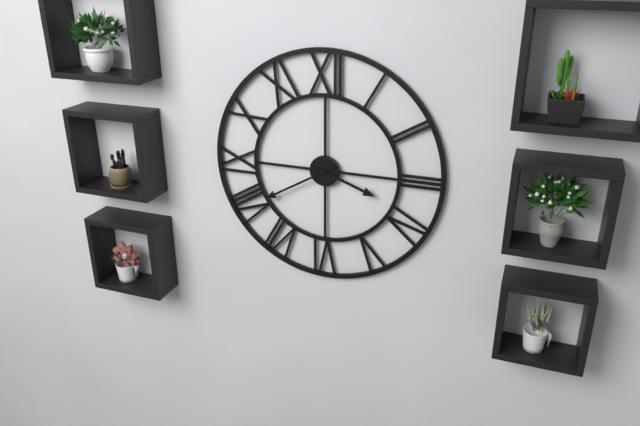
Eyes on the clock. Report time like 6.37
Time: 3.40
